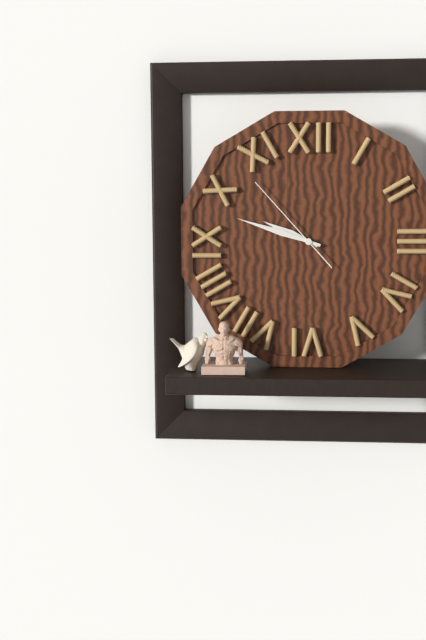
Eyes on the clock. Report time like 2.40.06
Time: 9.48.53
